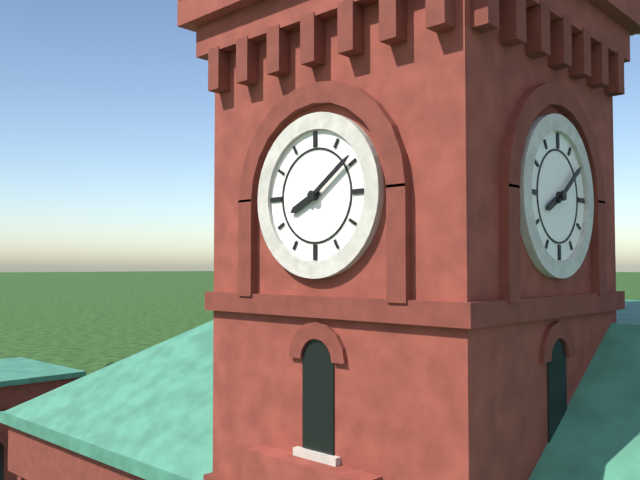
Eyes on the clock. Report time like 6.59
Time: 8.09
